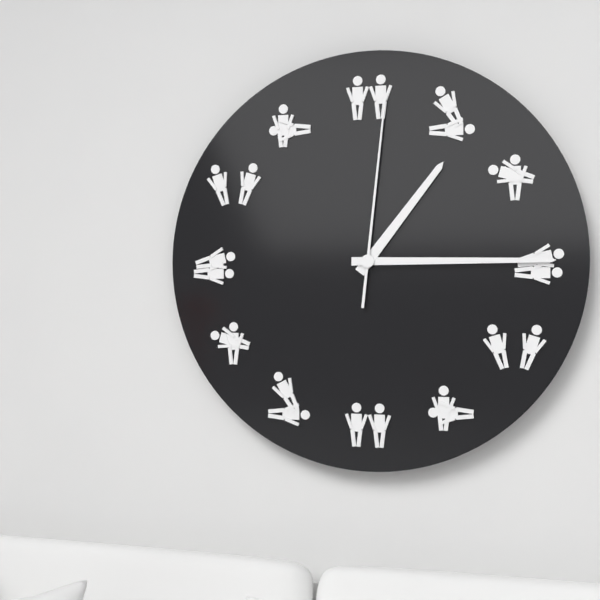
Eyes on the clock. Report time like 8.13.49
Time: 1.15.01
